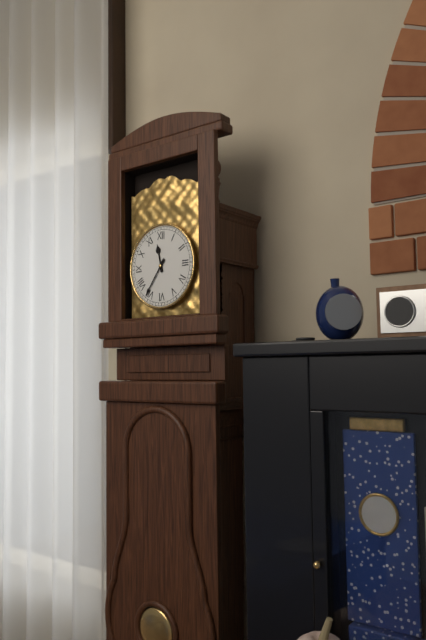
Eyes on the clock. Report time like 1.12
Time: 11.36
